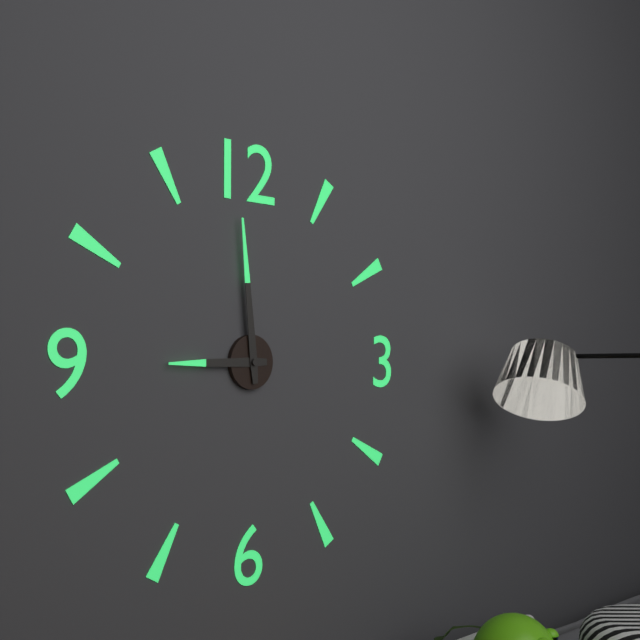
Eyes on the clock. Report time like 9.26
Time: 8.59
